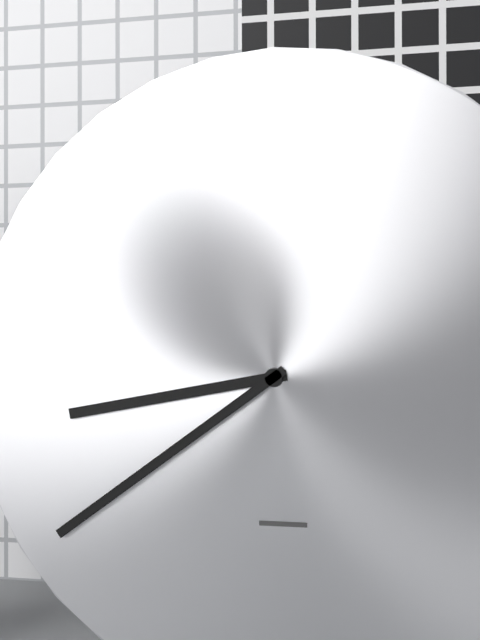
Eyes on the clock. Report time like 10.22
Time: 8.39
